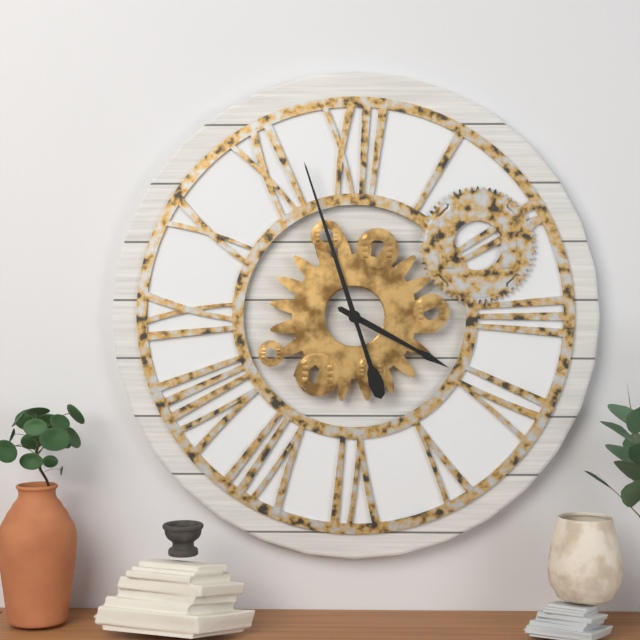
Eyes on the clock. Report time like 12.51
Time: 3.57
